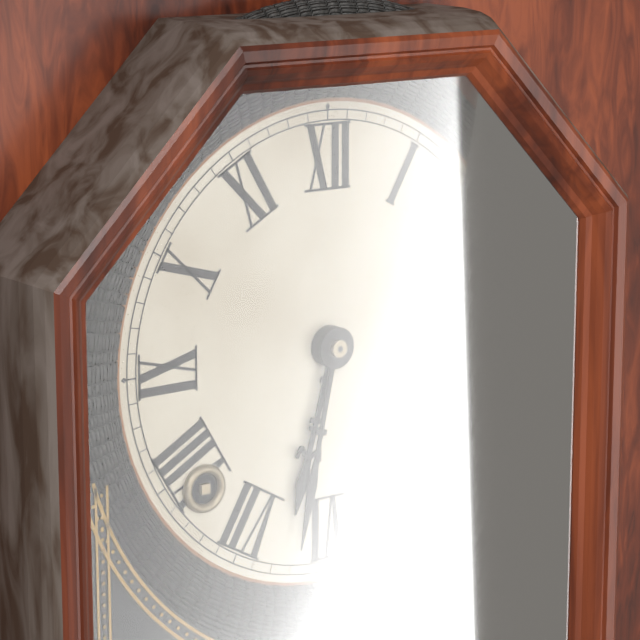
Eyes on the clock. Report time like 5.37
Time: 6.32
